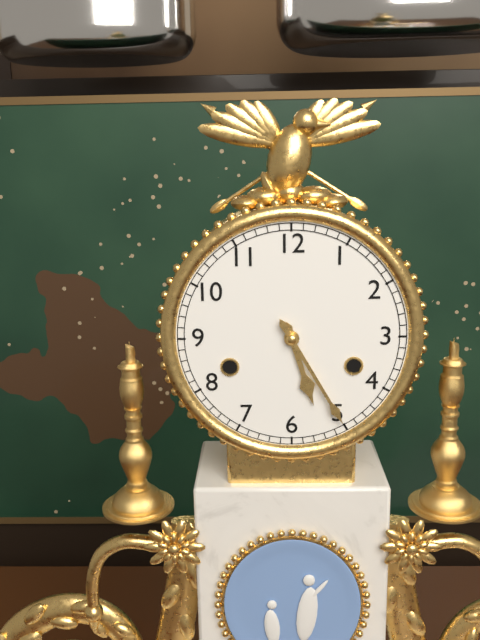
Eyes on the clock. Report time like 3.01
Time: 5.25
